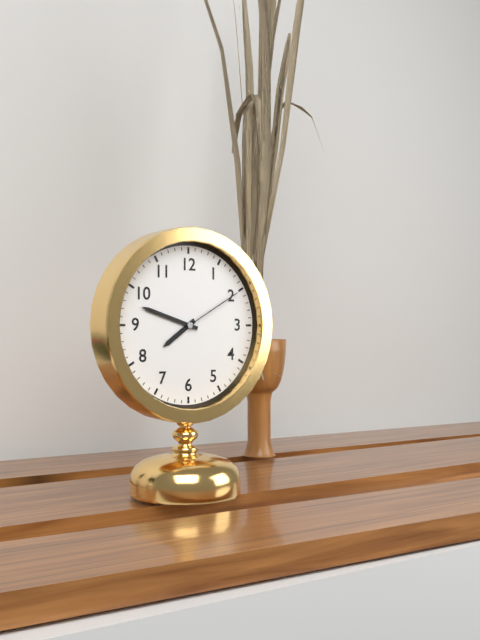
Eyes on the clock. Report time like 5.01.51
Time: 7.48.10
